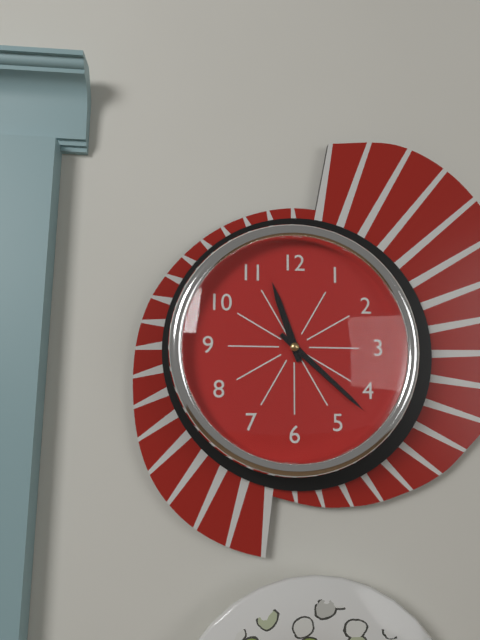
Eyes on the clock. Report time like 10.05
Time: 11.22
